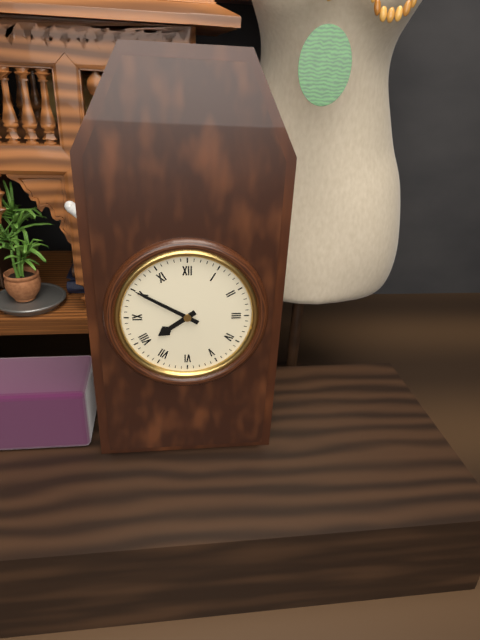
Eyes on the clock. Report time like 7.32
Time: 7.50
